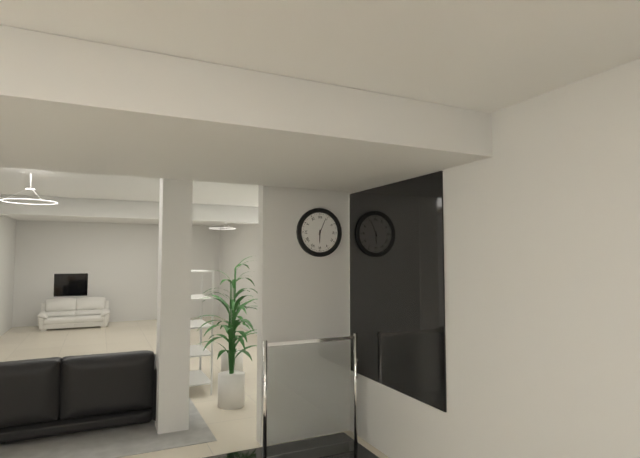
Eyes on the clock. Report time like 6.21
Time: 6.04
